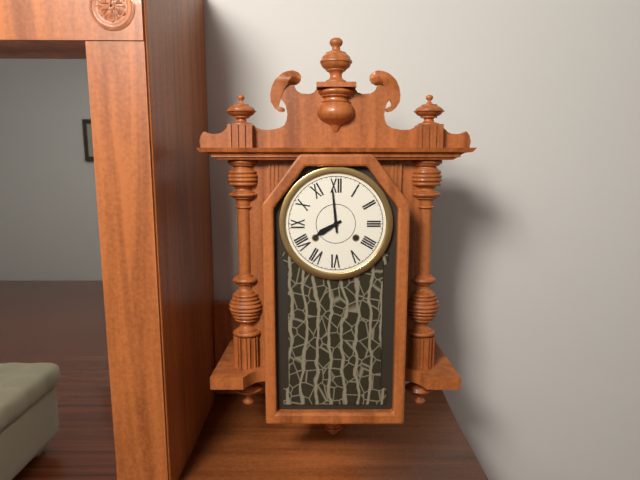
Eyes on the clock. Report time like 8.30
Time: 7.59
